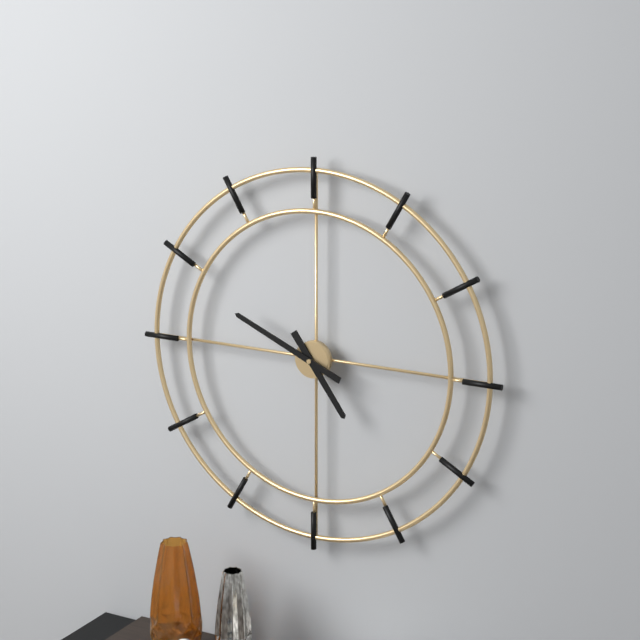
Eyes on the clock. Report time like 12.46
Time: 4.49
